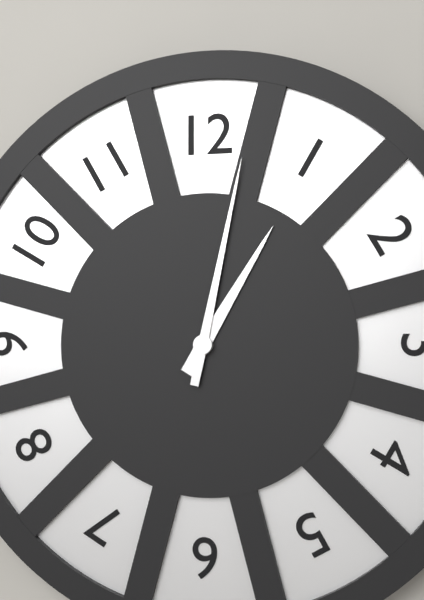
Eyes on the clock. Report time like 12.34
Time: 1.02
